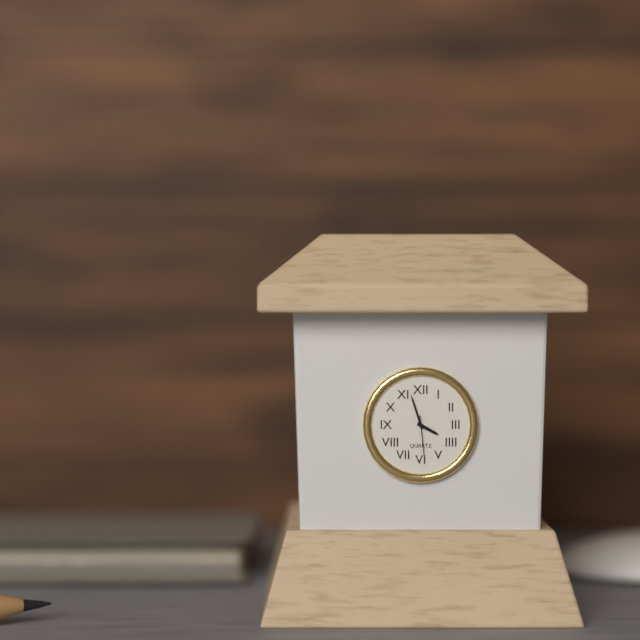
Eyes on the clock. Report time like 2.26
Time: 3.57
